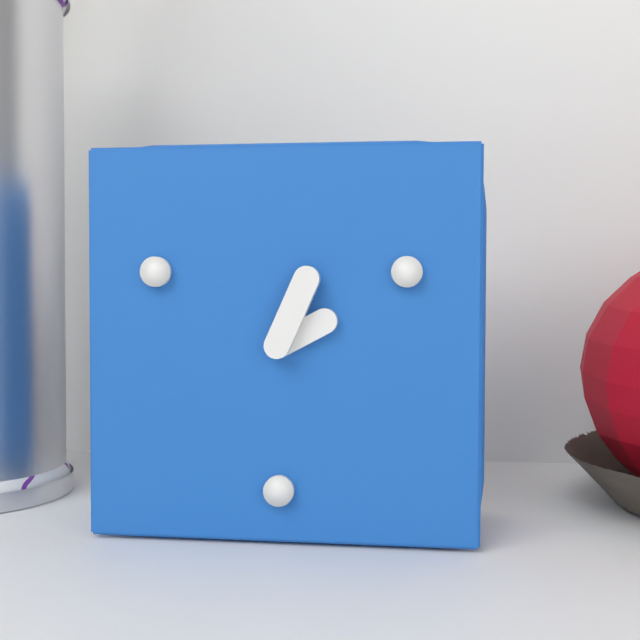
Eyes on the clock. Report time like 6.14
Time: 2.04
